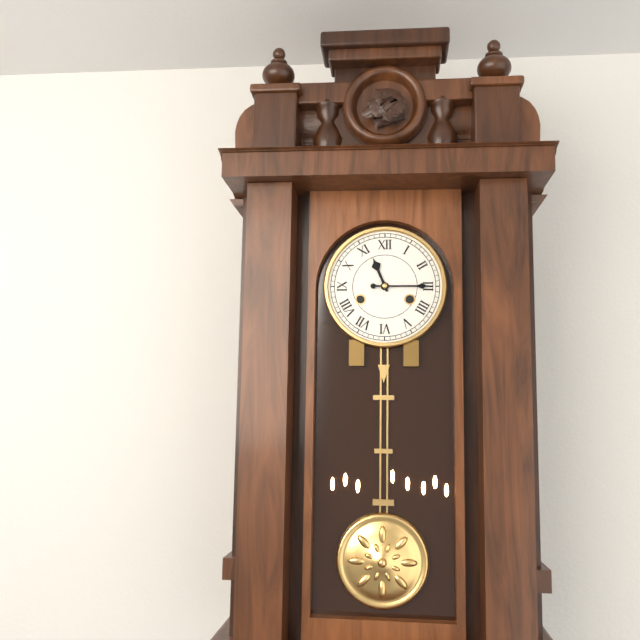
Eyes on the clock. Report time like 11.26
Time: 11.15
